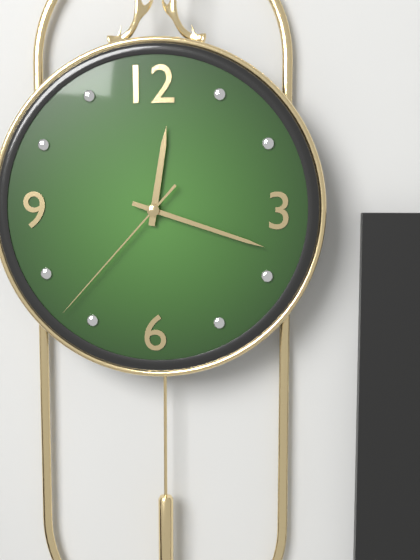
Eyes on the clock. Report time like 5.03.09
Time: 12.18.37
